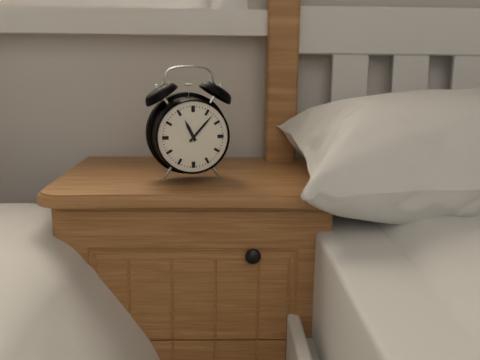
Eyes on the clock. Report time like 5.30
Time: 11.07
